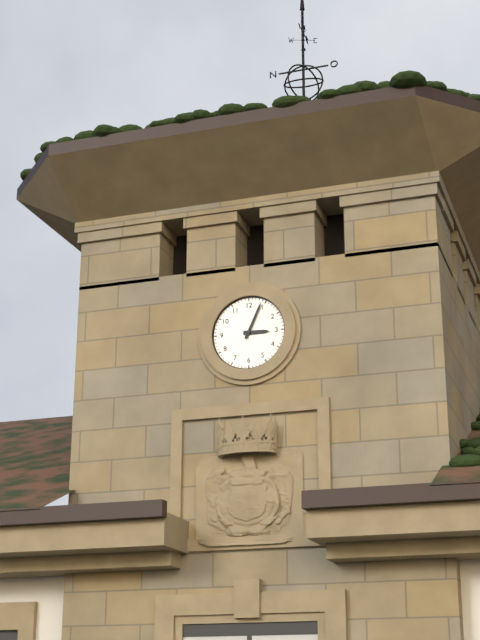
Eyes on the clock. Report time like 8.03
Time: 3.04
